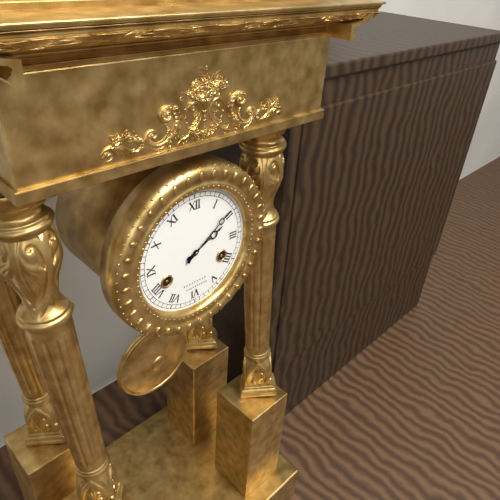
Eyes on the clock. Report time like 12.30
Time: 2.09
